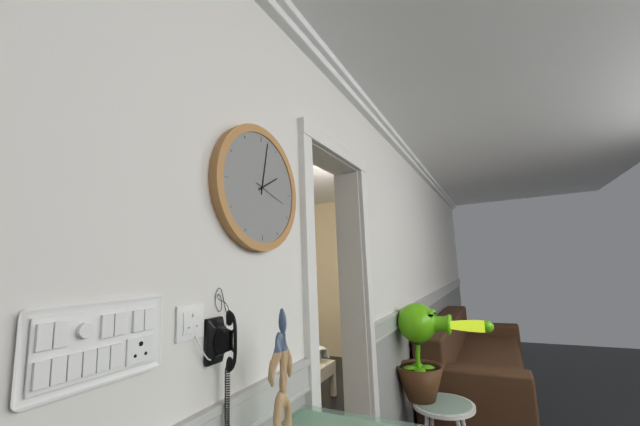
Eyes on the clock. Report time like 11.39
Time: 2.02
